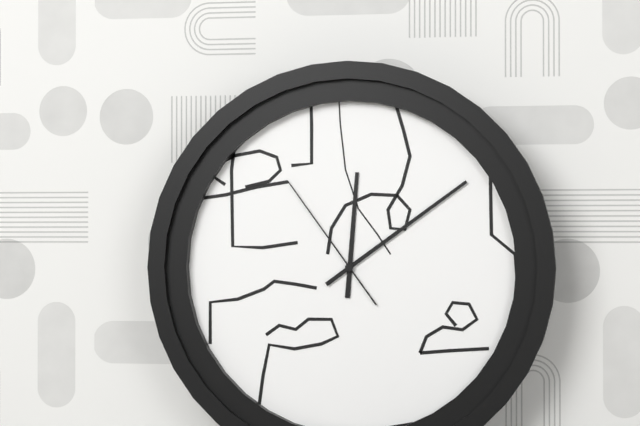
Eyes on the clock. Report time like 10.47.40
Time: 12.09.54
